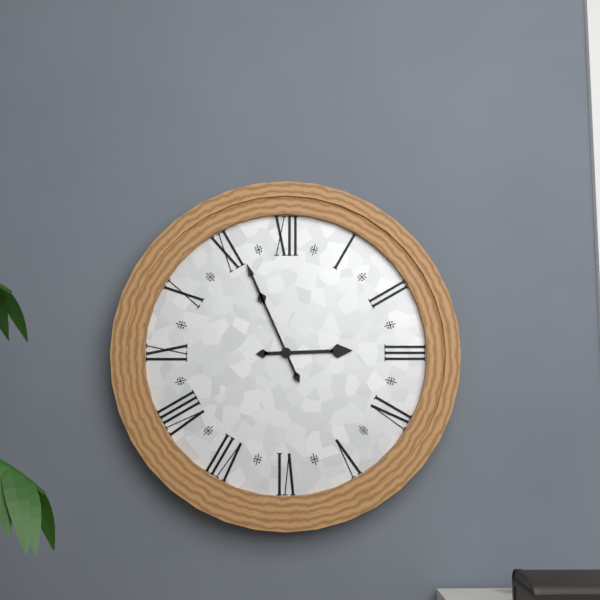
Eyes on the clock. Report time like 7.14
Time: 2.56
